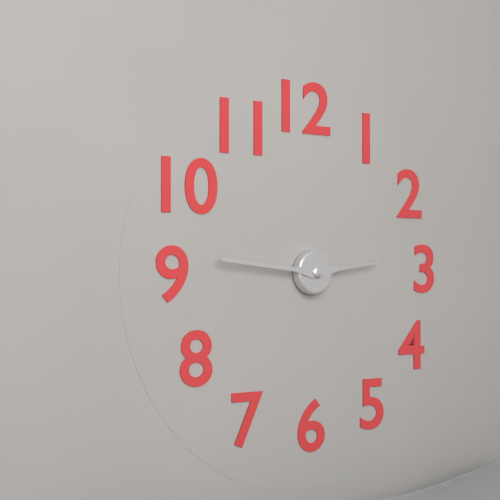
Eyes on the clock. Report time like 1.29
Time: 2.46
